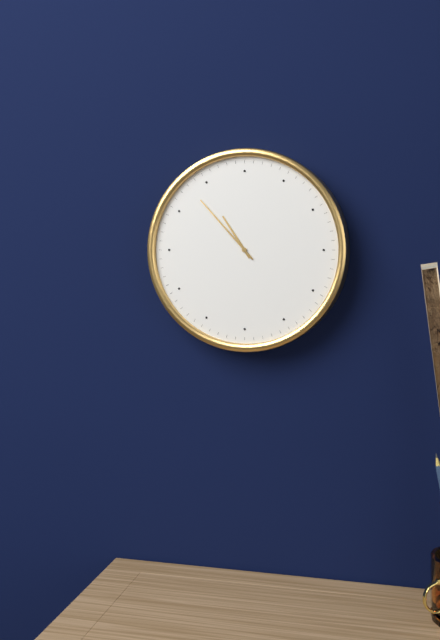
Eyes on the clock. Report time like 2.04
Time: 10.53
